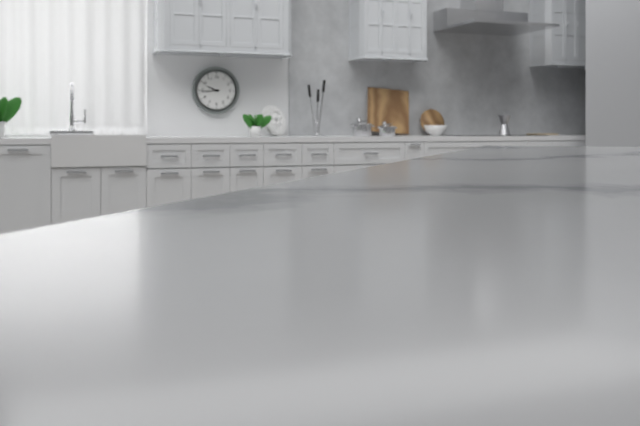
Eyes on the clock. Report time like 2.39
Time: 9.44
